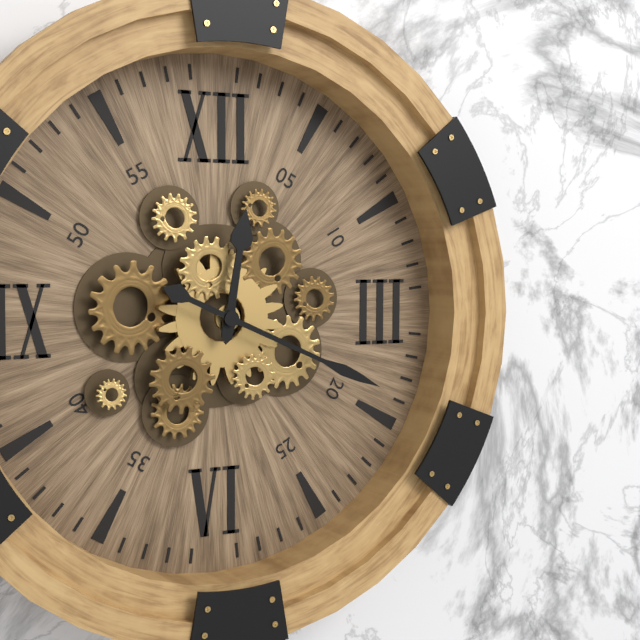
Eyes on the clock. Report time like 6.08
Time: 12.19
